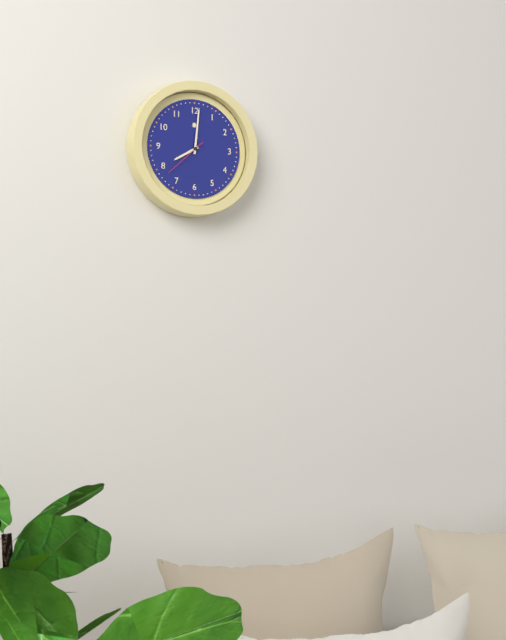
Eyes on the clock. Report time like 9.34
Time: 8.01
